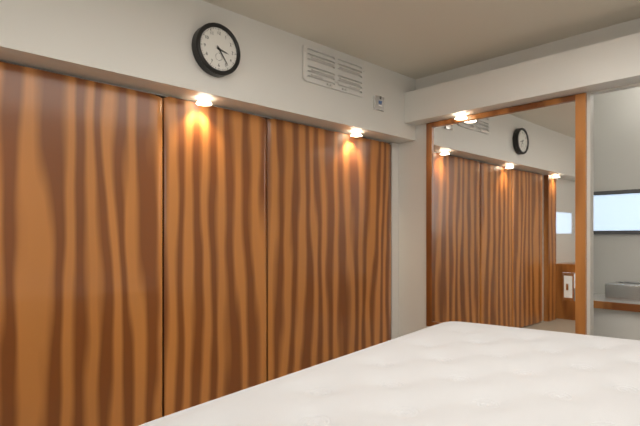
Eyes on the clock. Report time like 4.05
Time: 3.24
